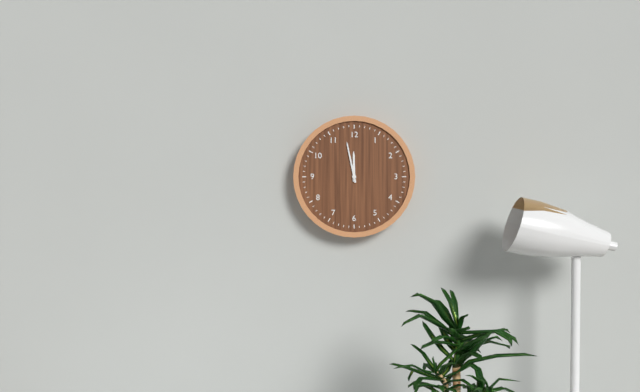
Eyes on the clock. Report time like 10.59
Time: 11.58
